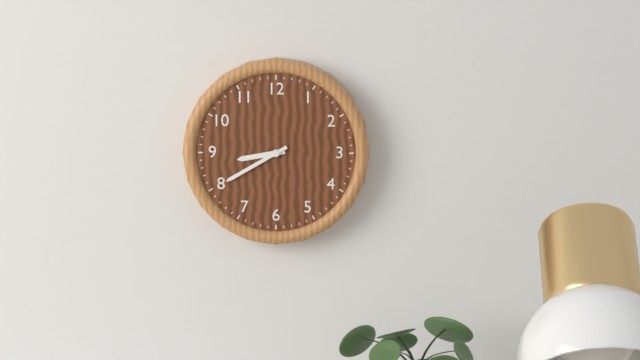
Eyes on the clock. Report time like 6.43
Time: 8.40
